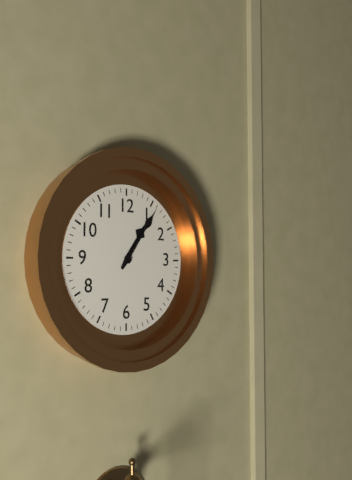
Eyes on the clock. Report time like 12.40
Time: 1.06
